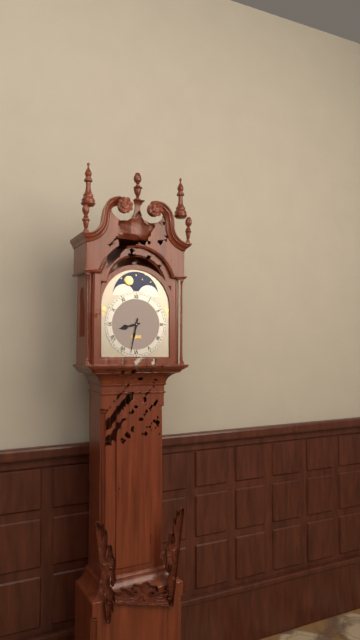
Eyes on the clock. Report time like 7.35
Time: 8.32
